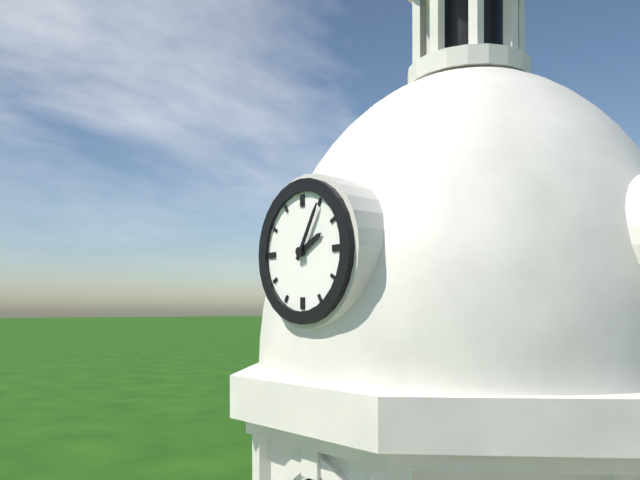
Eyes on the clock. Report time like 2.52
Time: 2.05
